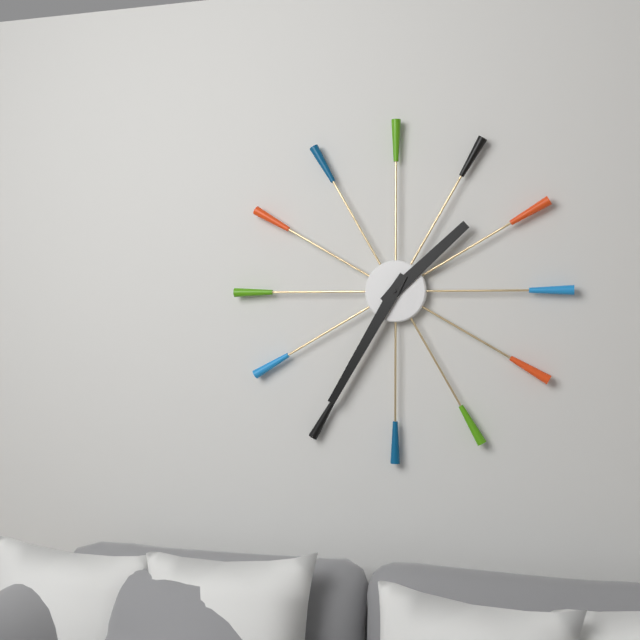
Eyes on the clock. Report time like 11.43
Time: 1.35
